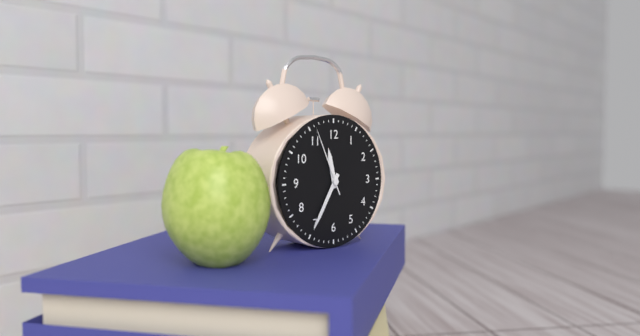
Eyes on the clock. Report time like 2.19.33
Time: 11.35.56
